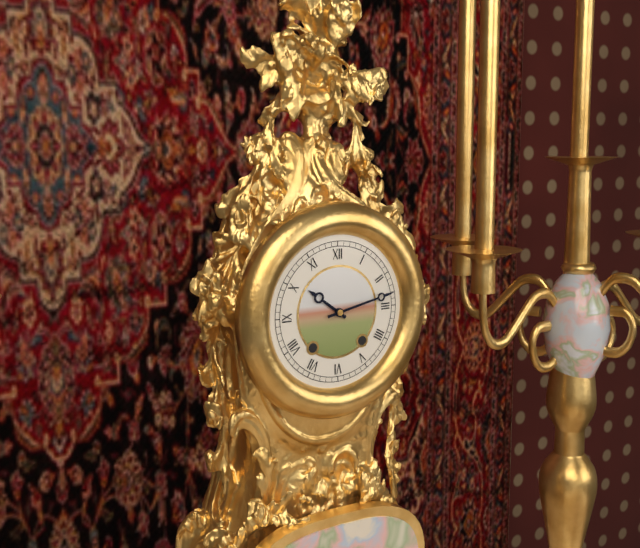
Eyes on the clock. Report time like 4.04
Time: 10.13
